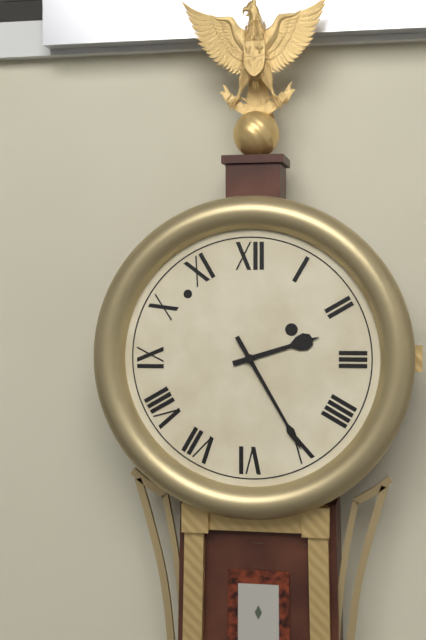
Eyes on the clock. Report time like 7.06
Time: 2.25
